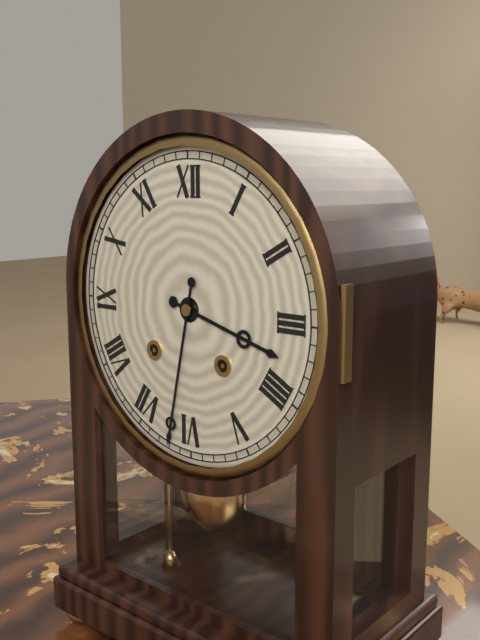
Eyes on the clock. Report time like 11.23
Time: 3.32
